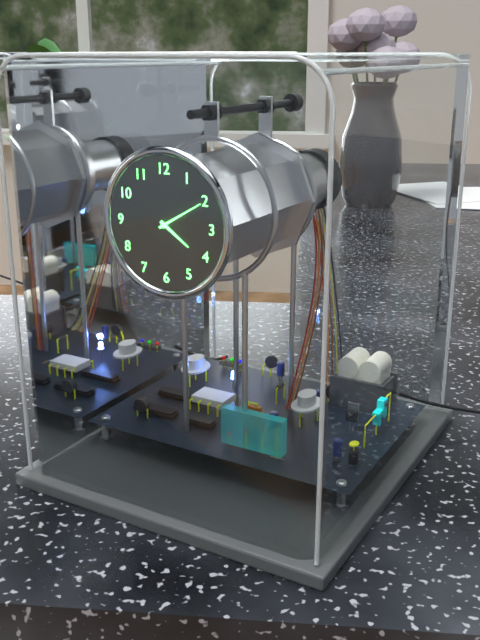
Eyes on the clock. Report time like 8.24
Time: 4.10
